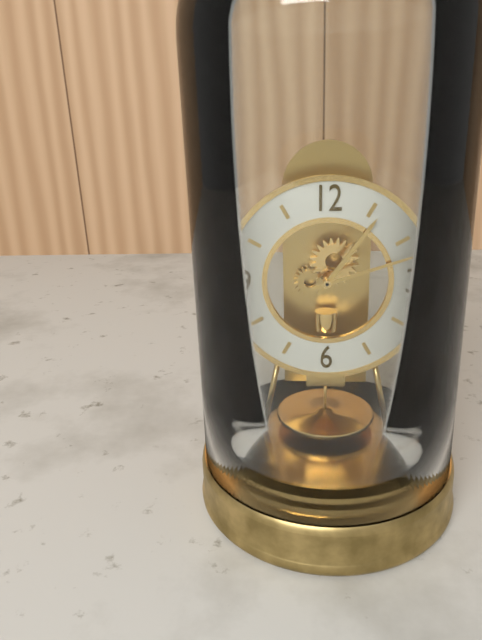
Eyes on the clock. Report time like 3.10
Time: 1.12
